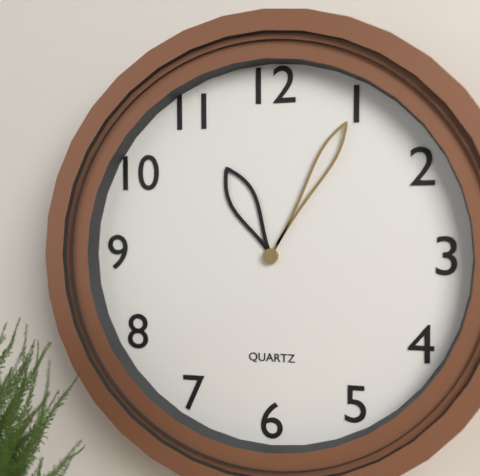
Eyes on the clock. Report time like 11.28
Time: 11.05
